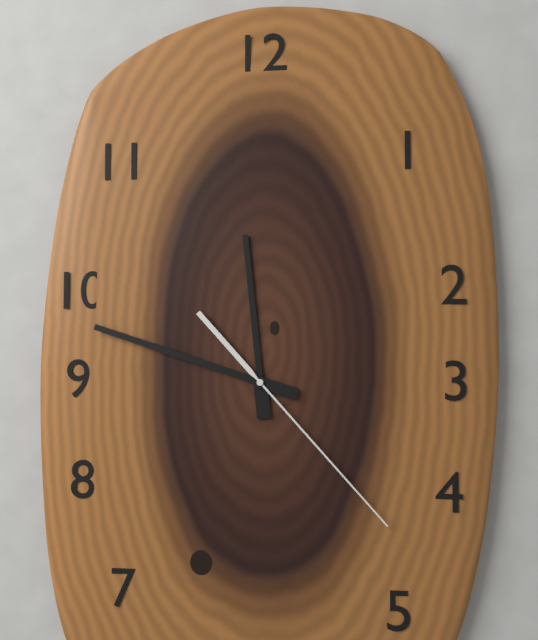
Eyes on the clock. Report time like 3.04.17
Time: 11.48.23
